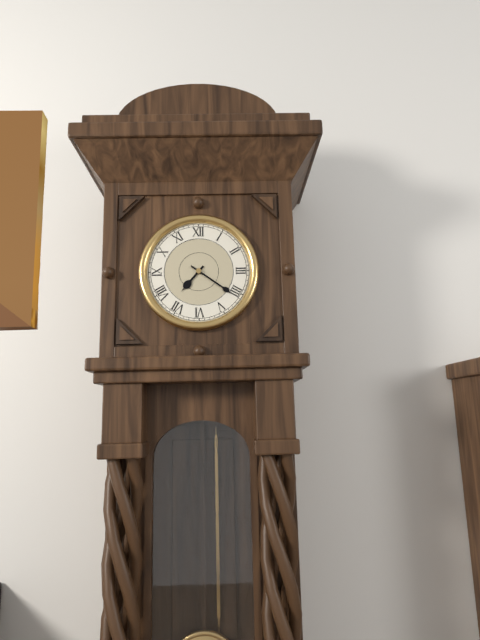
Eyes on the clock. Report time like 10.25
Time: 7.21
